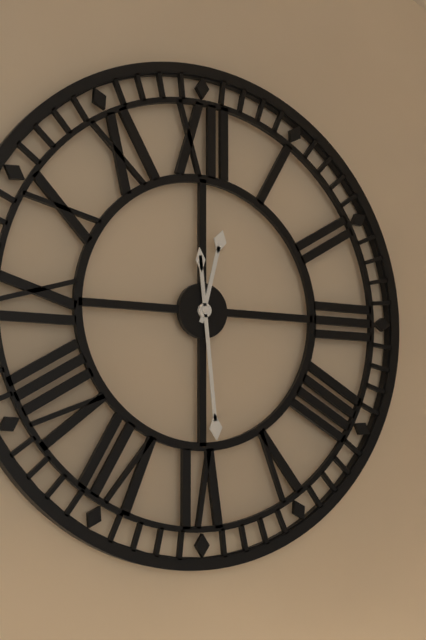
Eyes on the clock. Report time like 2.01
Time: 12.29
